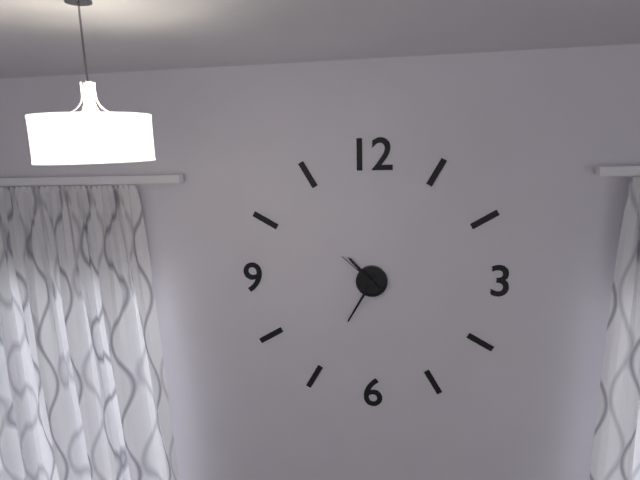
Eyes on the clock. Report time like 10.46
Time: 10.35
